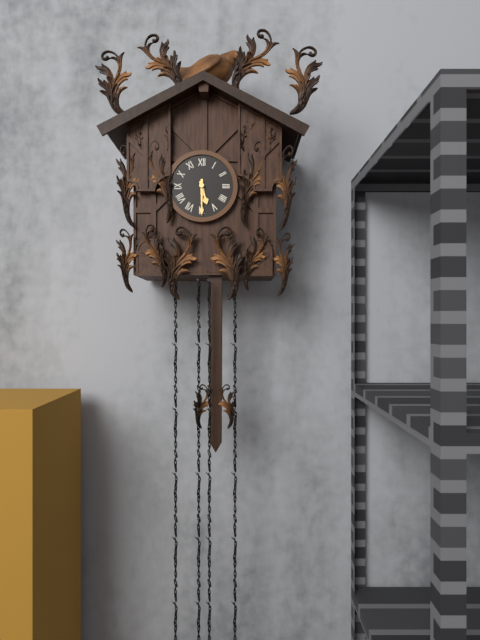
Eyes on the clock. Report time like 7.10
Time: 5.30
